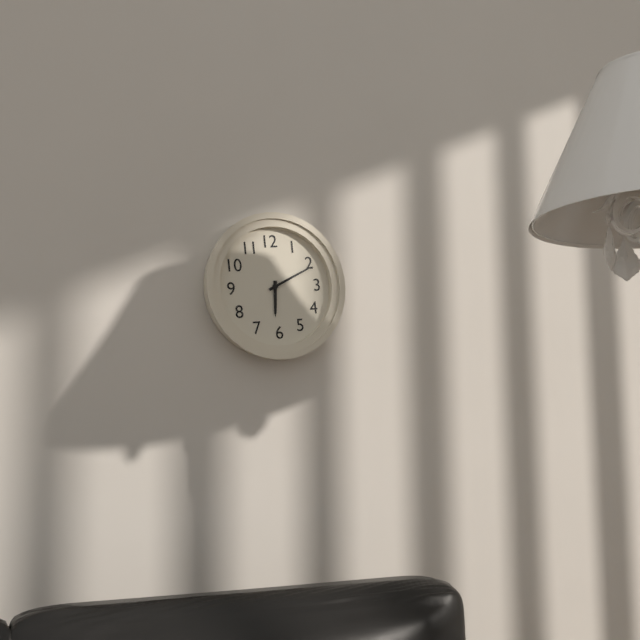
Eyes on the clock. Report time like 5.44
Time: 6.11
